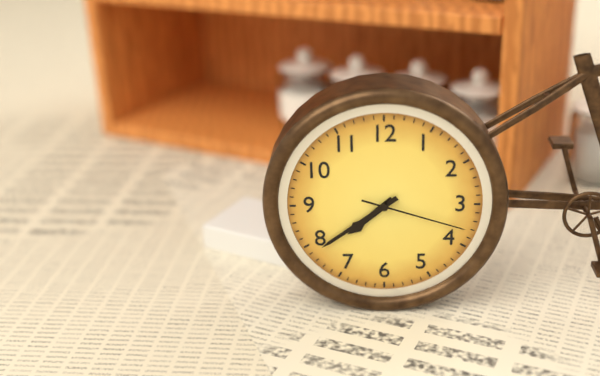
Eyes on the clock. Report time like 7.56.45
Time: 7.39.18
